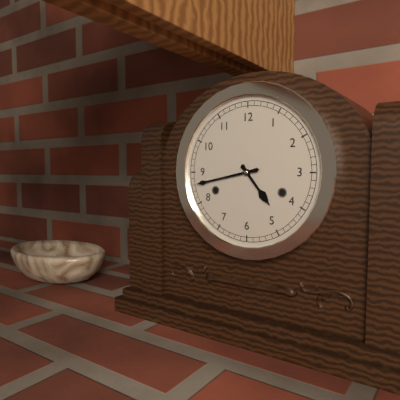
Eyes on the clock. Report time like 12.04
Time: 4.43
